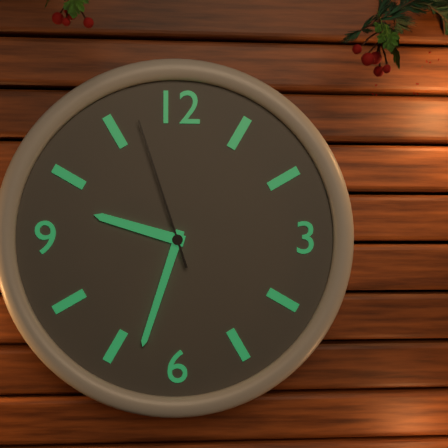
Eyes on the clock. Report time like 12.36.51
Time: 9.33.57
